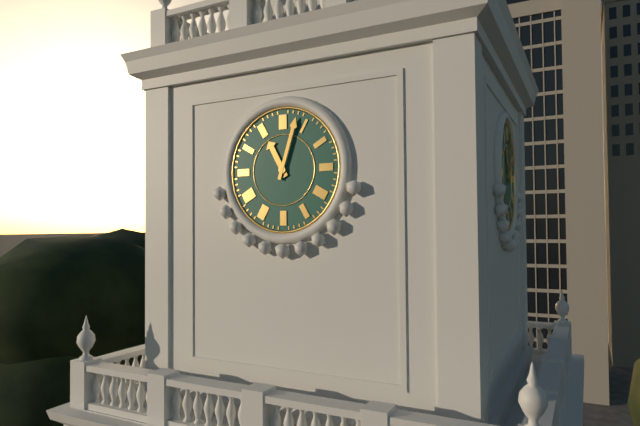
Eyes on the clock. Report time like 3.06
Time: 11.03
